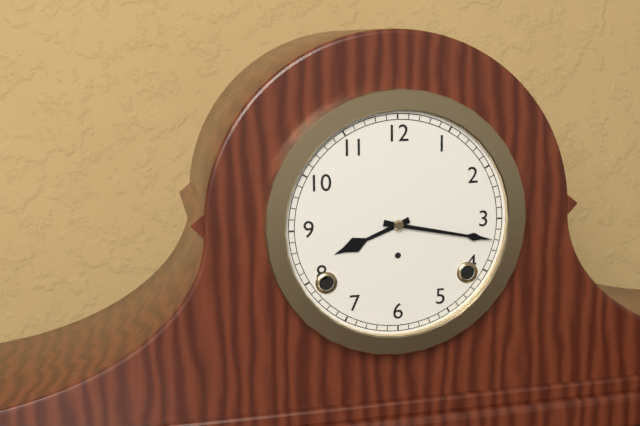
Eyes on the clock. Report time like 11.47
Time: 8.17
